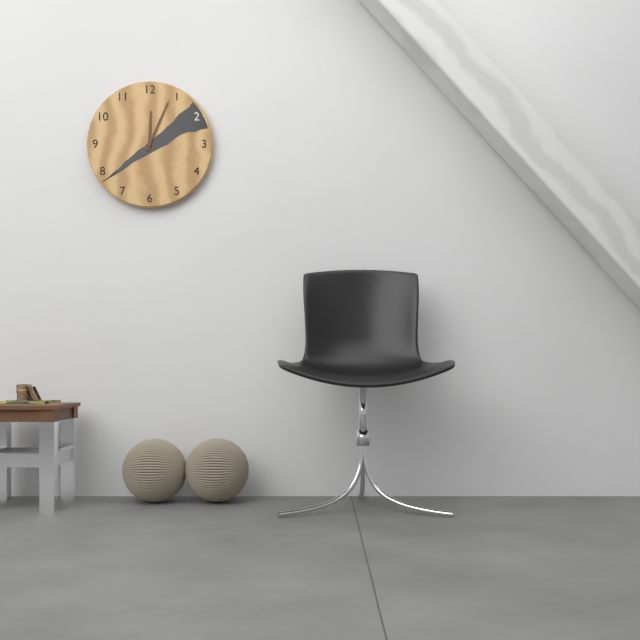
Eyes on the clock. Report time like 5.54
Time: 12.04
